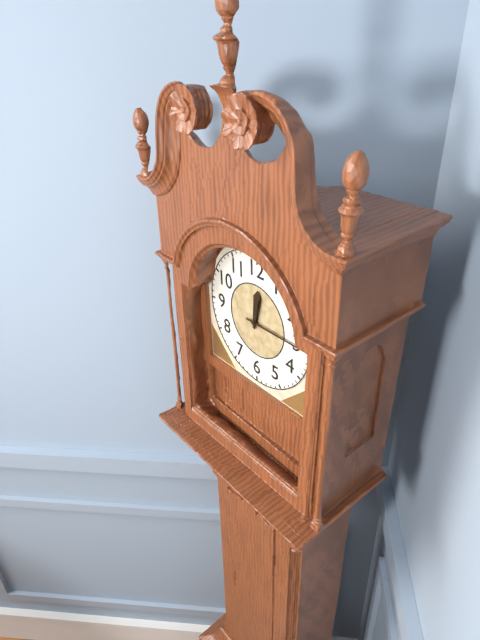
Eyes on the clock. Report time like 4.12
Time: 12.15
